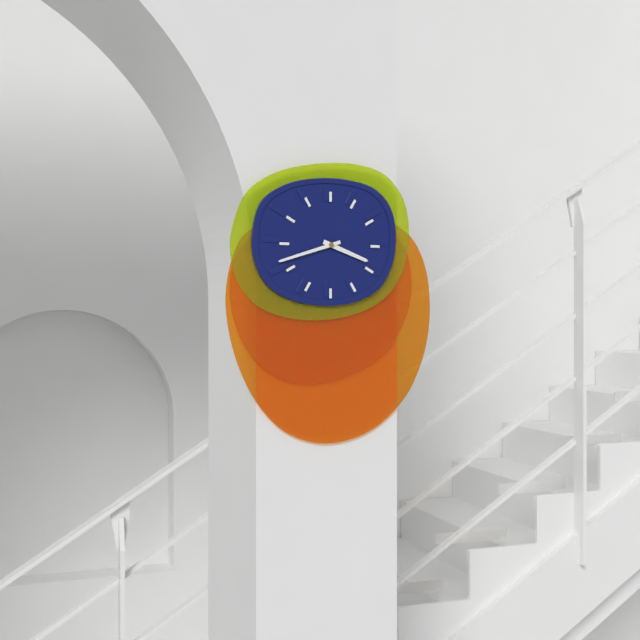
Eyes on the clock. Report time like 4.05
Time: 3.42
